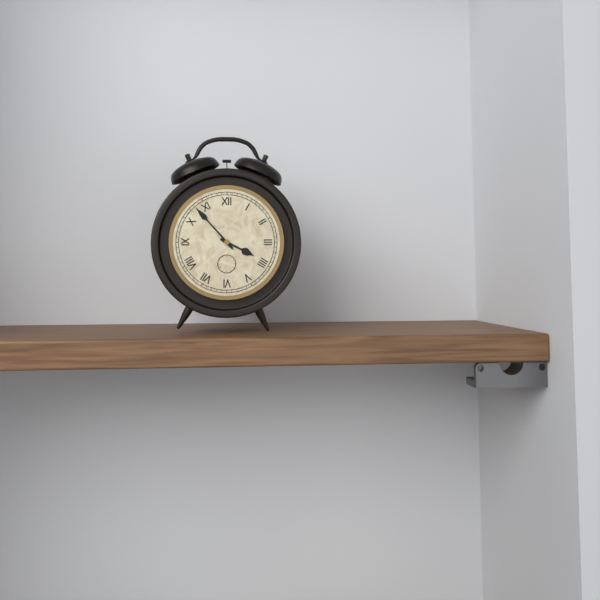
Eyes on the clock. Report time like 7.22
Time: 3.53
